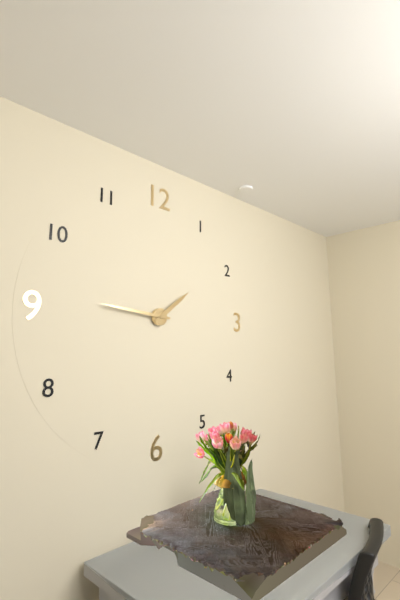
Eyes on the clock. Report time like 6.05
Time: 1.46
